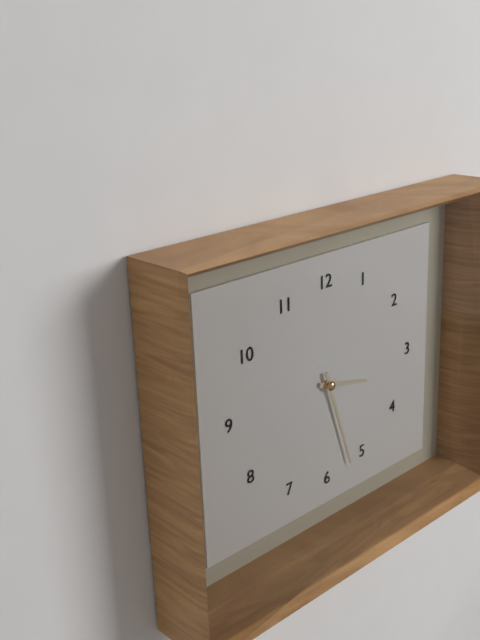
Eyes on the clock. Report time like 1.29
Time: 3.27
